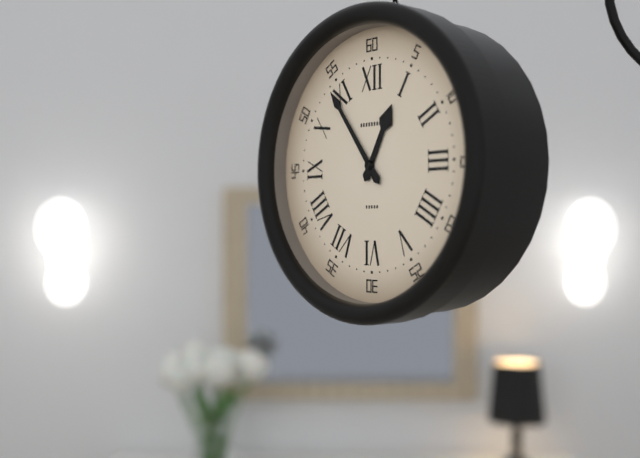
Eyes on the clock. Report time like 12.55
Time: 12.54
